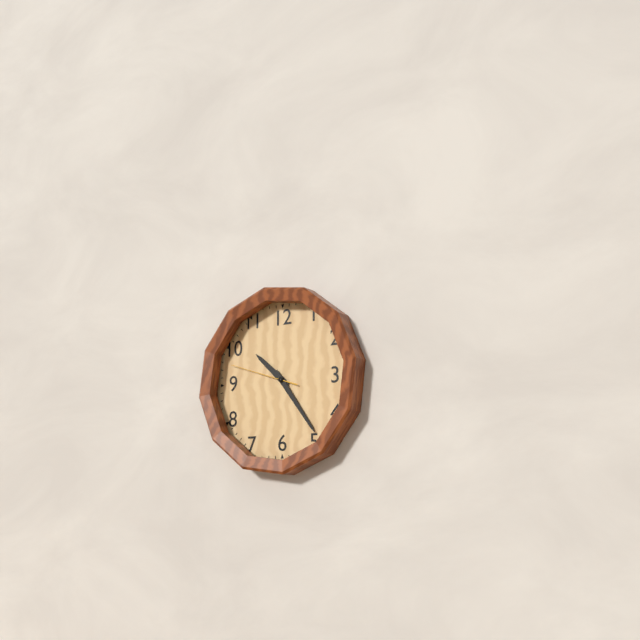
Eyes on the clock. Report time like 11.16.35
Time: 10.24.48
